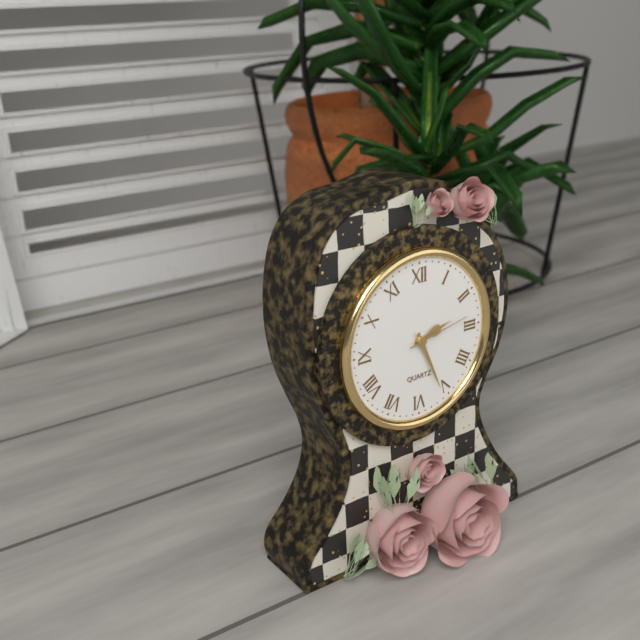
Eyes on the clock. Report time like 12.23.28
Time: 2.26.13
